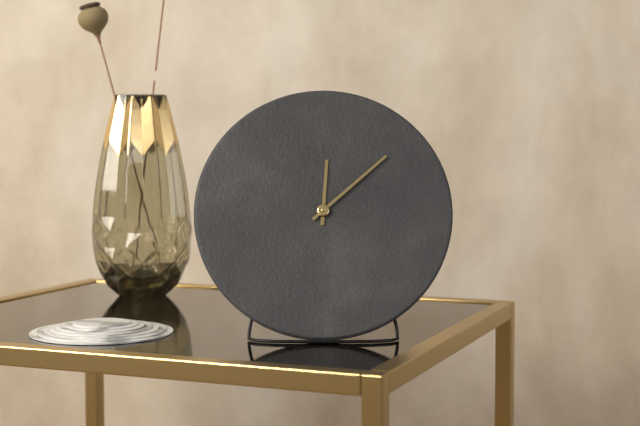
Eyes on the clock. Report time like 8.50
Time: 12.08
